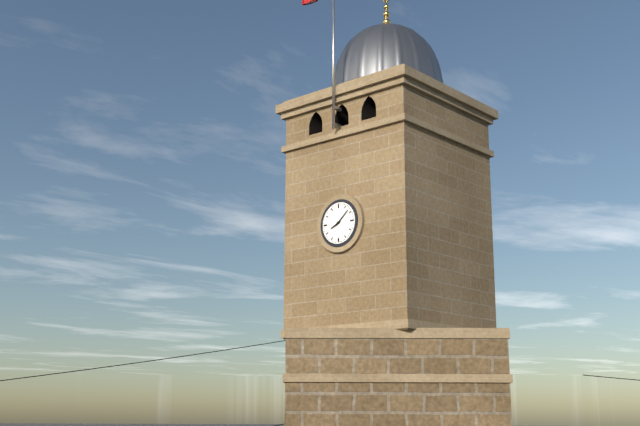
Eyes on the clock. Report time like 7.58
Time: 8.08
